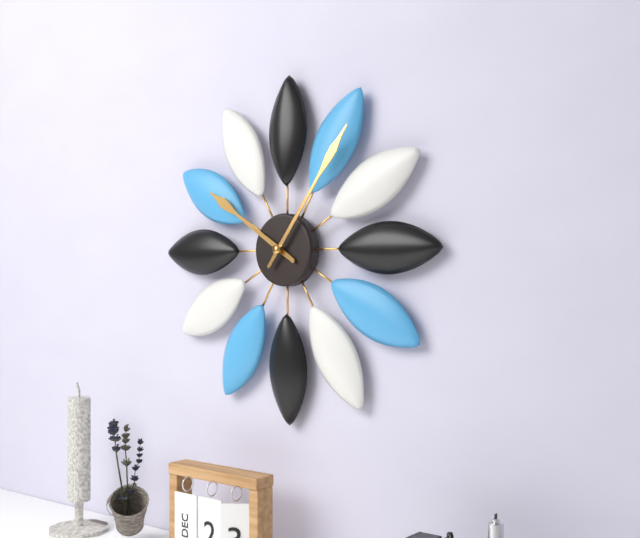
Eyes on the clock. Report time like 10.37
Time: 10.06
